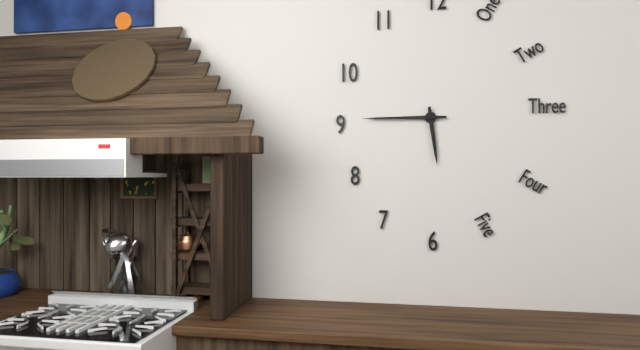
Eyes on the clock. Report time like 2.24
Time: 5.45
